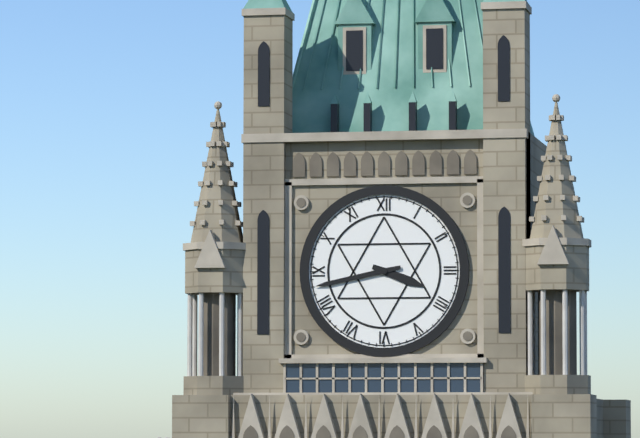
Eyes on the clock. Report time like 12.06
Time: 3.43
